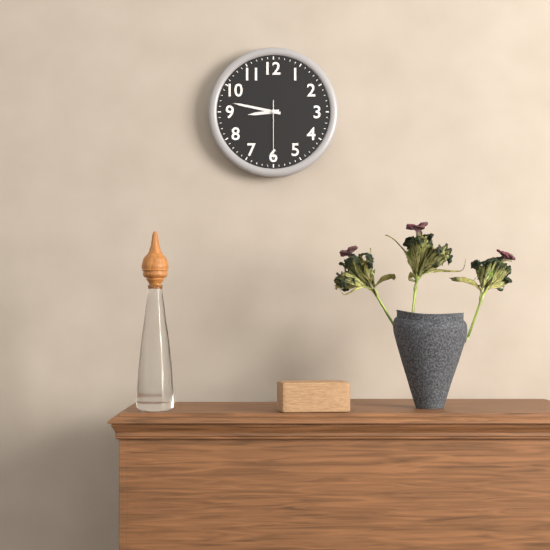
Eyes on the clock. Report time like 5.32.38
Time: 8.47.30
